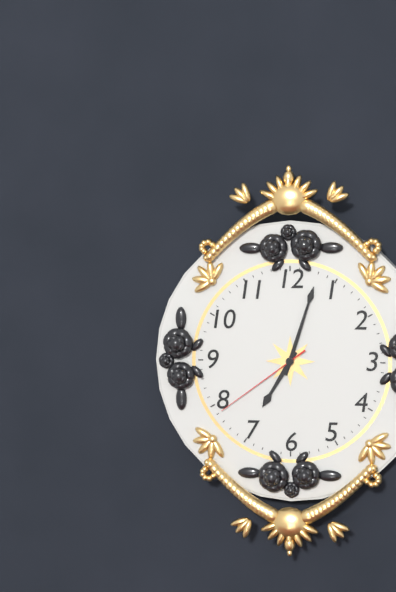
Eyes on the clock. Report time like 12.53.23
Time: 7.03.39
